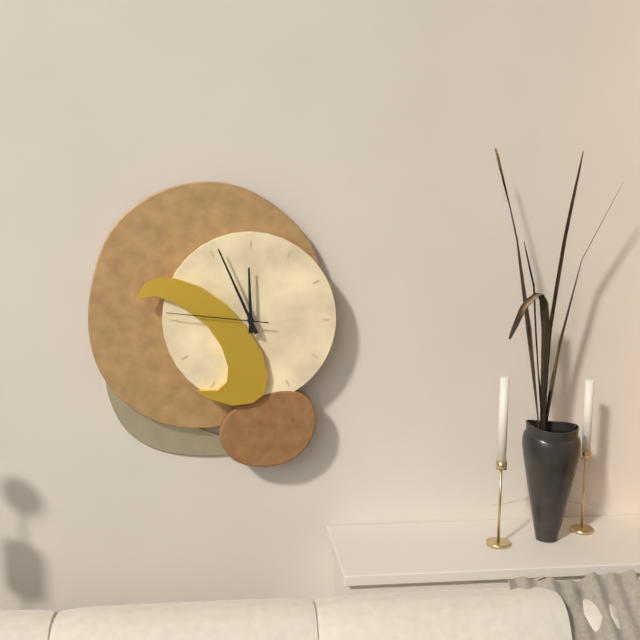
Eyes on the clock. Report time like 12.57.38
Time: 11.56.46
